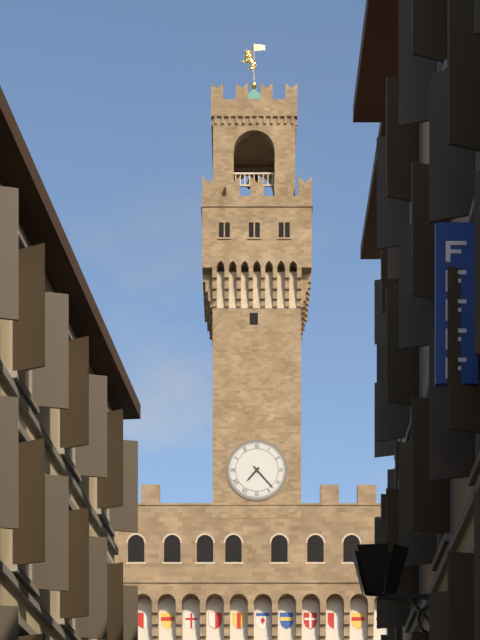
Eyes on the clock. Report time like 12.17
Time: 7.23
